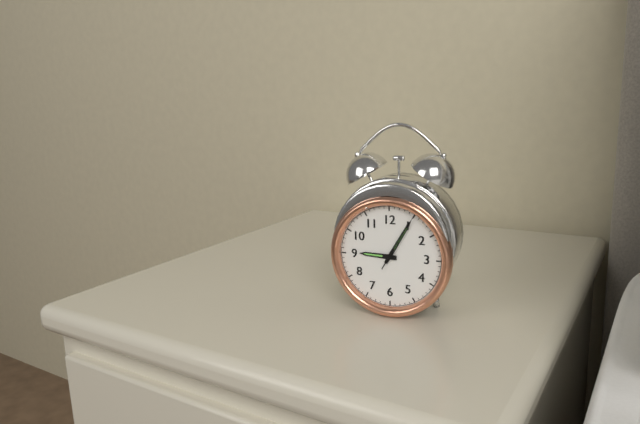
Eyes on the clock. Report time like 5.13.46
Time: 9.05.05
